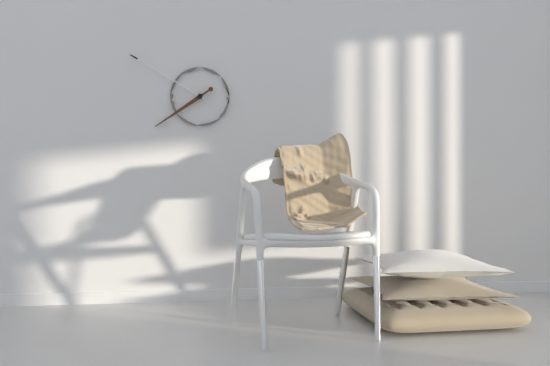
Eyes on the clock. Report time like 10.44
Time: 7.50
